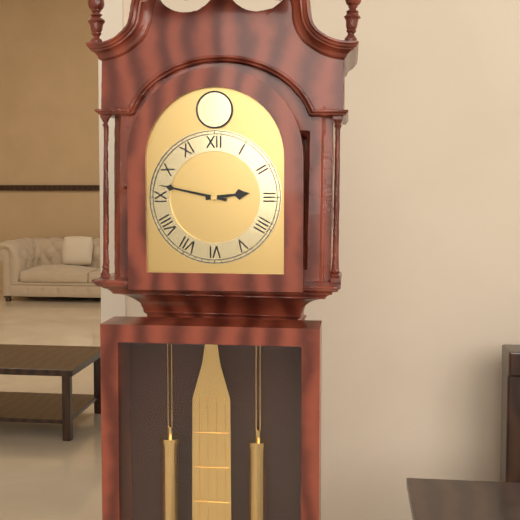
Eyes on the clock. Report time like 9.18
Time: 2.47
